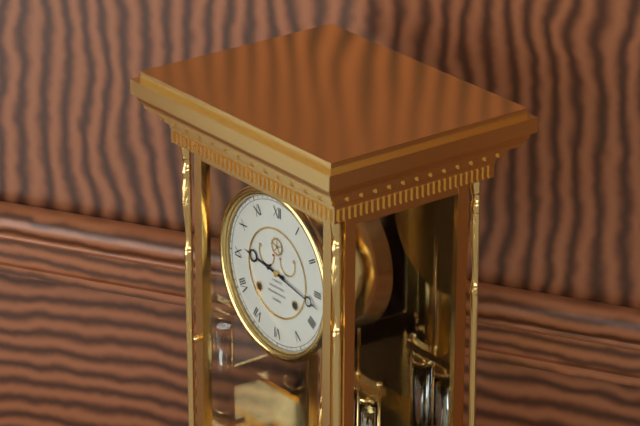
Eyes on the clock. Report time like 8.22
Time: 9.17
